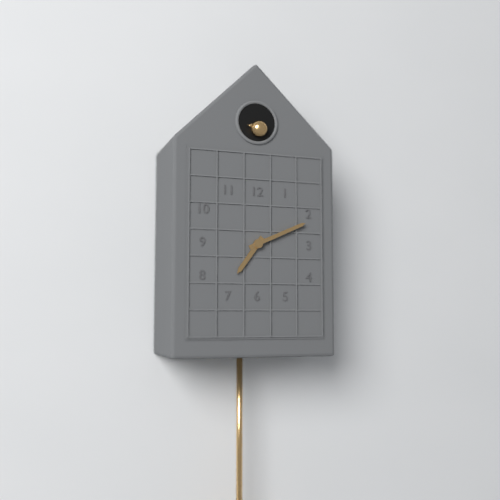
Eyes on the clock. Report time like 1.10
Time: 7.11
